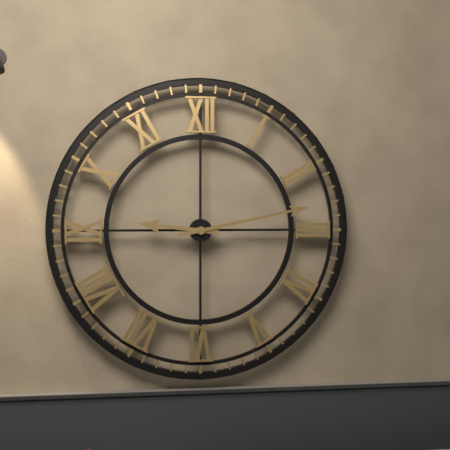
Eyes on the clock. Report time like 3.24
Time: 9.13
